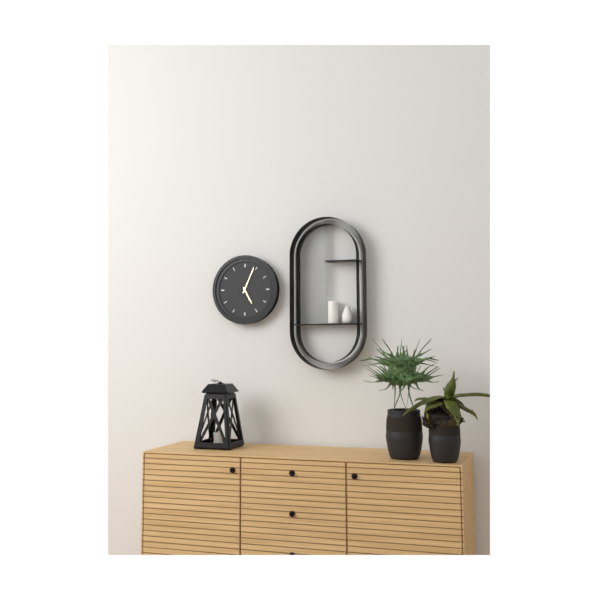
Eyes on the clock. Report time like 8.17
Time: 5.04
